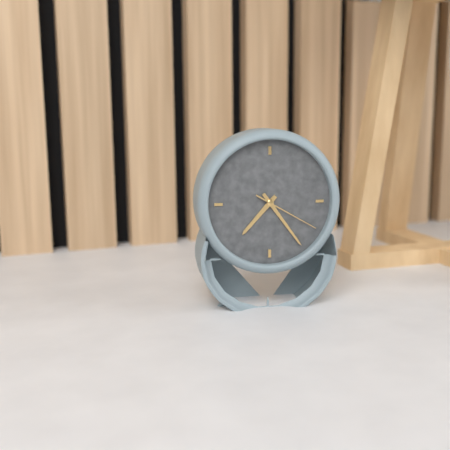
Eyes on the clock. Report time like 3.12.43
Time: 7.24.20
